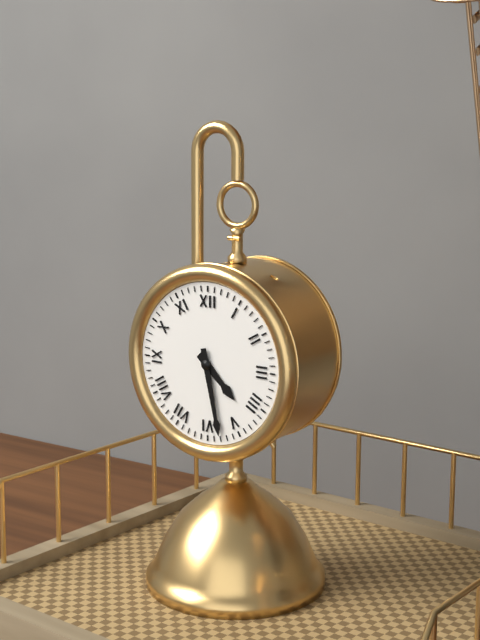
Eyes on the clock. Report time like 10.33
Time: 4.28
